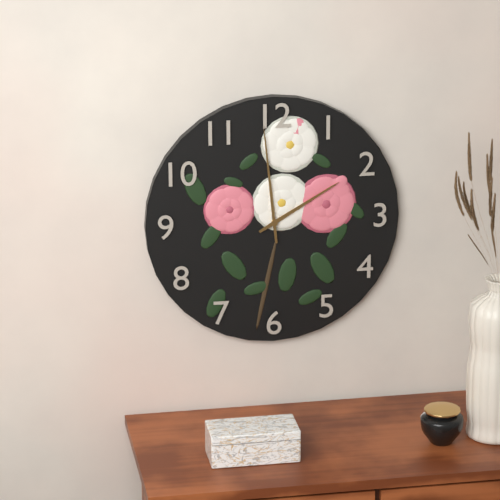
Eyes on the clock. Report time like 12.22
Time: 1.59
